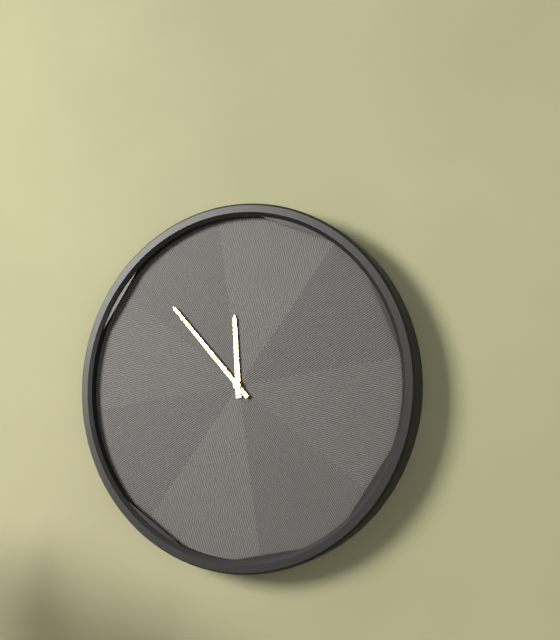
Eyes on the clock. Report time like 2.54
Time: 11.53
